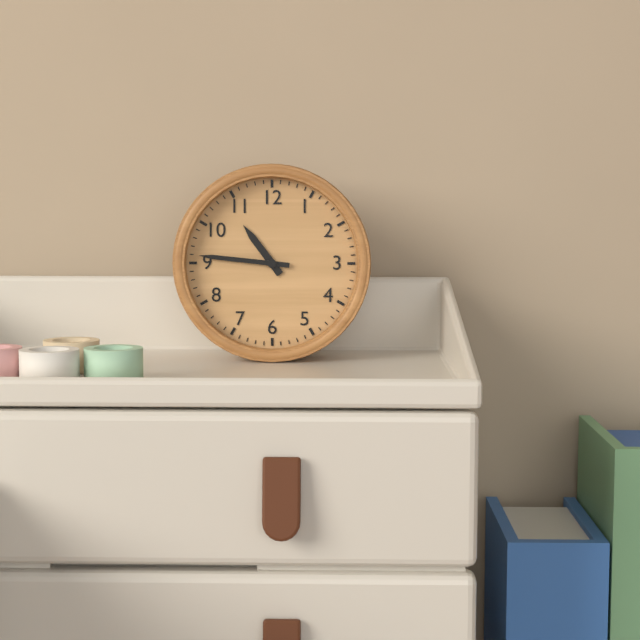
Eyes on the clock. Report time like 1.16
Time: 10.46
